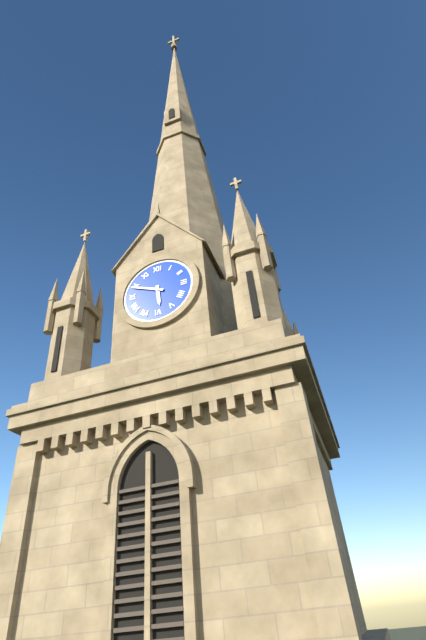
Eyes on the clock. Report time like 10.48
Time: 5.49
